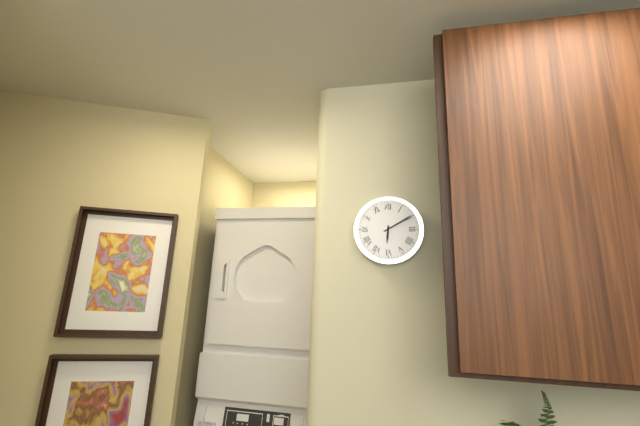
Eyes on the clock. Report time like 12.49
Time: 6.10
